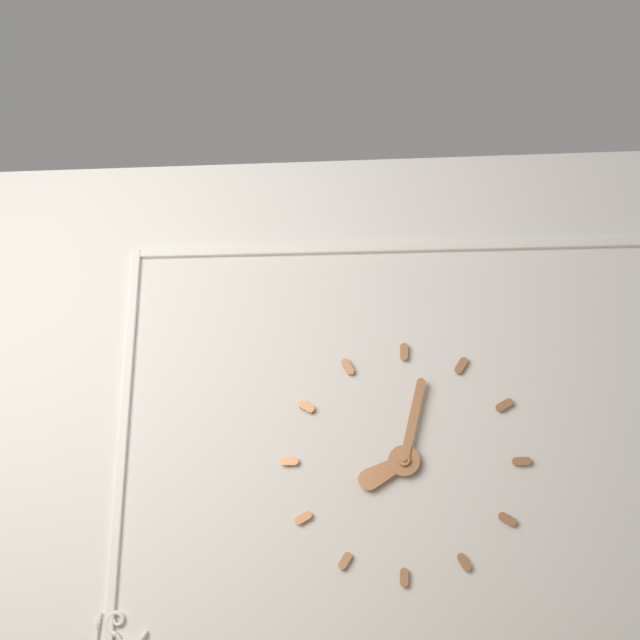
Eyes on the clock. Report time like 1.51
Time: 8.02
